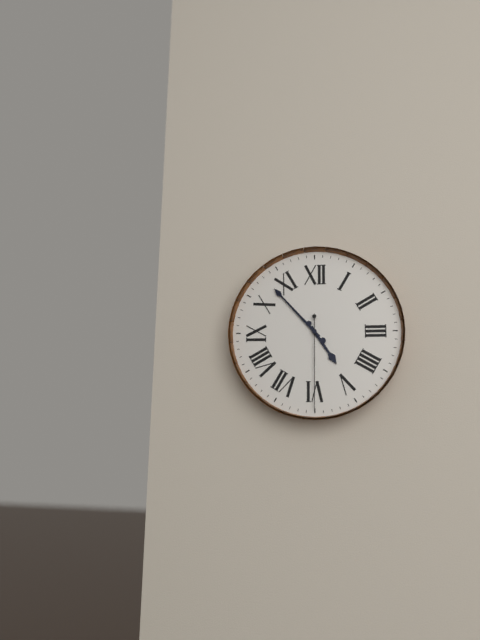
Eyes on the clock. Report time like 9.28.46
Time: 4.53.30
